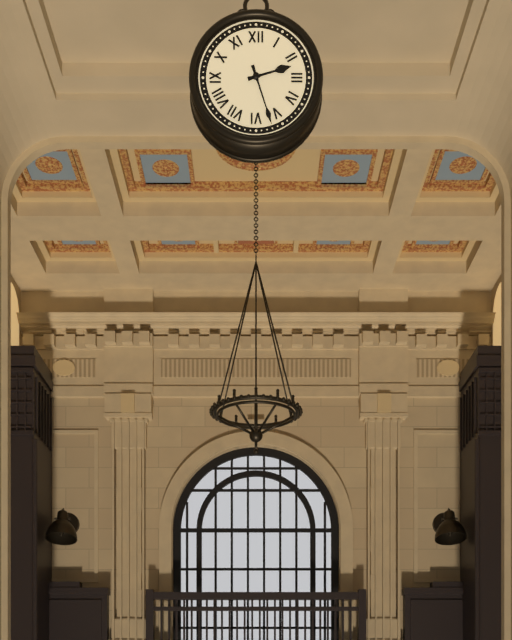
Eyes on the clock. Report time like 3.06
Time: 2.27
